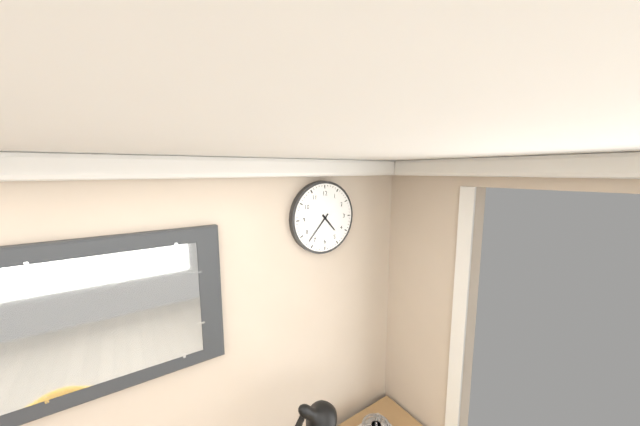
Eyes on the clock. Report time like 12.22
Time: 4.37
